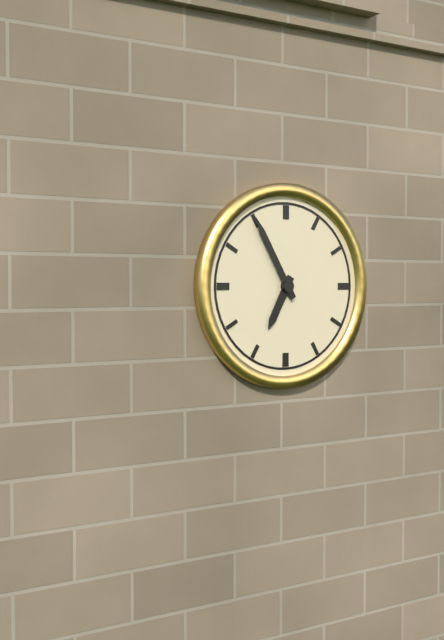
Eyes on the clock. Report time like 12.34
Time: 6.55
